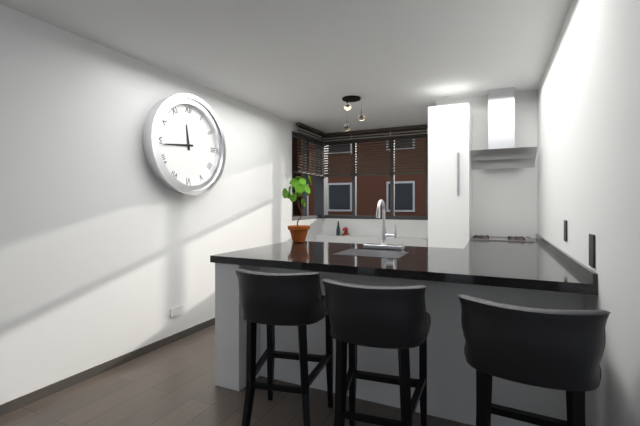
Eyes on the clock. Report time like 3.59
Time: 11.44
